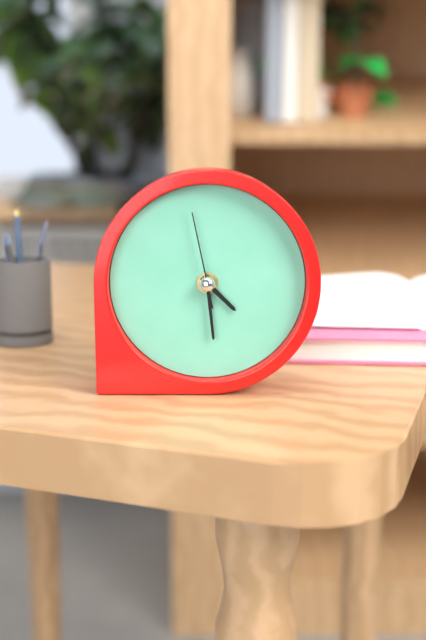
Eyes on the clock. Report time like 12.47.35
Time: 4.29.58
